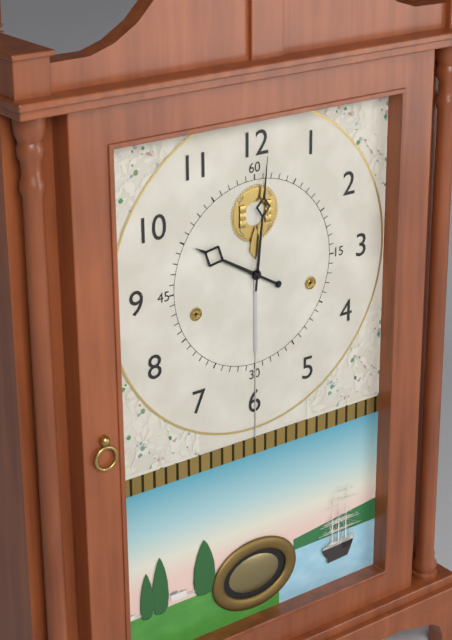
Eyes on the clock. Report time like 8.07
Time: 10.01
